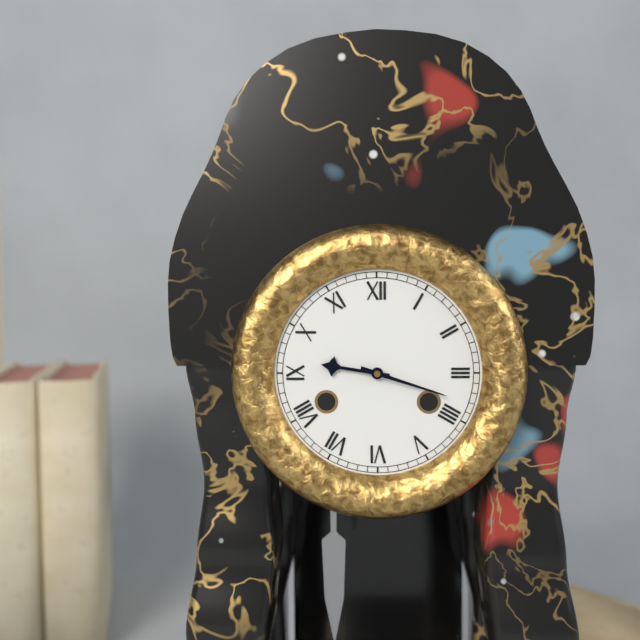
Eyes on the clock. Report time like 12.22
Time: 9.18
